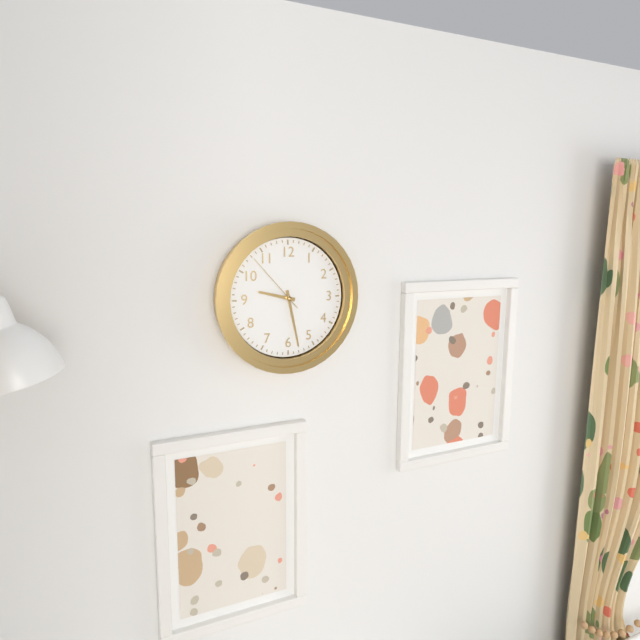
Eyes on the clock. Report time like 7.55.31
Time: 9.28.53
